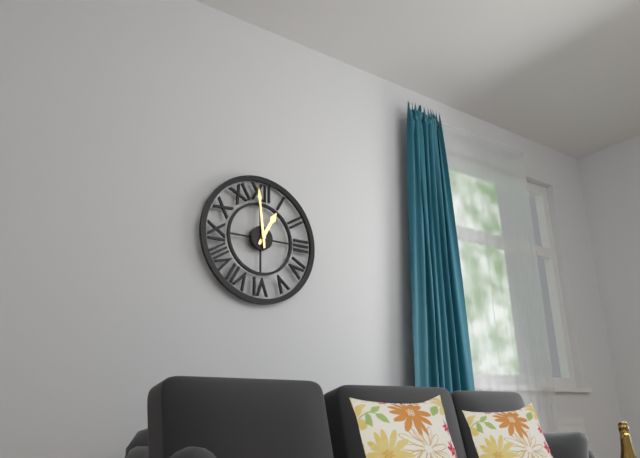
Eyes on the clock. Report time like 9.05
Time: 12.59
